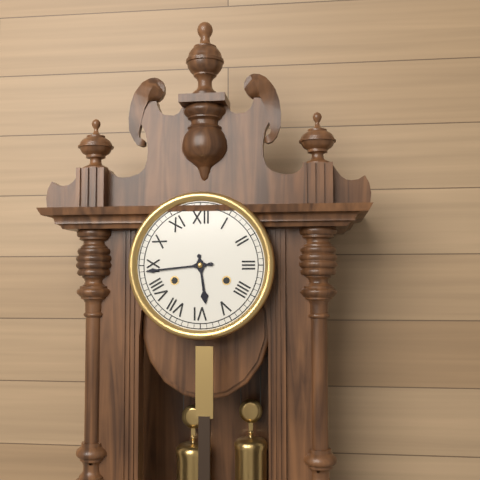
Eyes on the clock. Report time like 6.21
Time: 5.44
